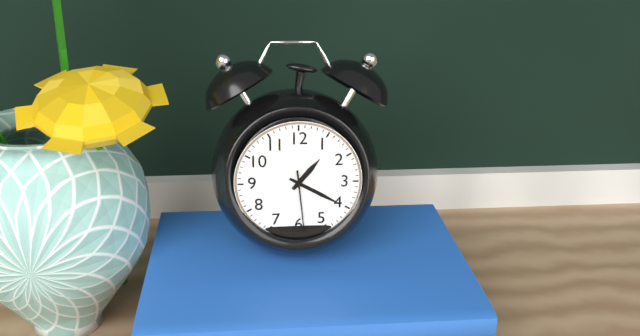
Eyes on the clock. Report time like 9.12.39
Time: 1.20.29
